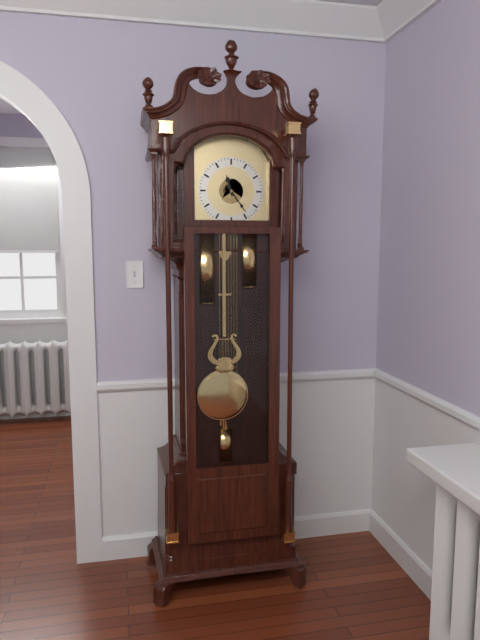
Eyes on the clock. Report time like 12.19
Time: 11.24
